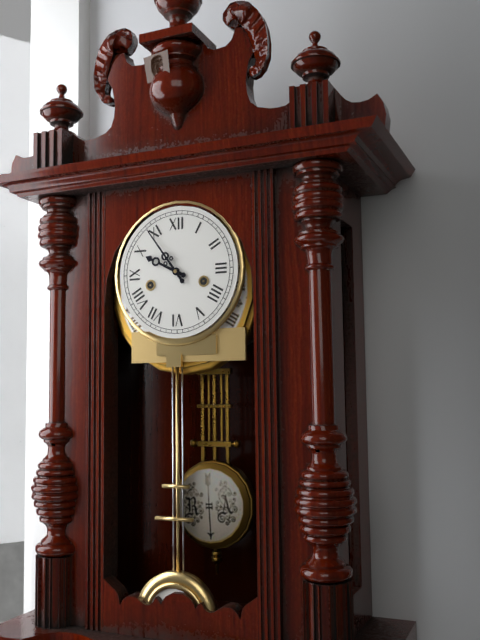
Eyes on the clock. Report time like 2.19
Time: 9.54
